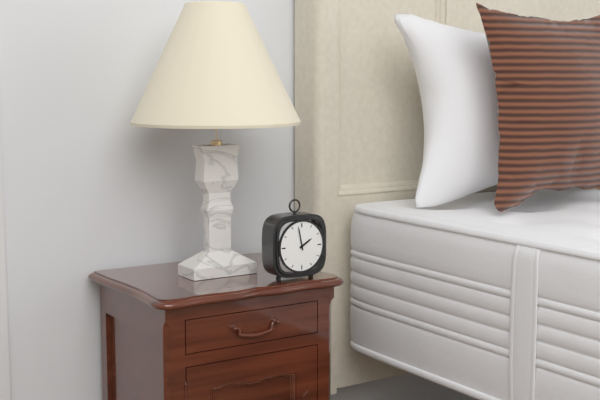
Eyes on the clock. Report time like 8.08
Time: 1.58
